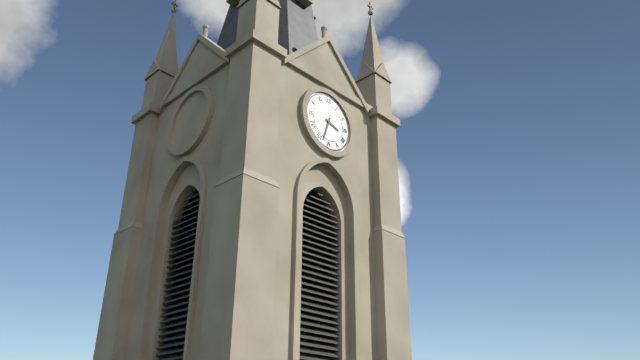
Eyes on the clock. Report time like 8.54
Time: 3.33
